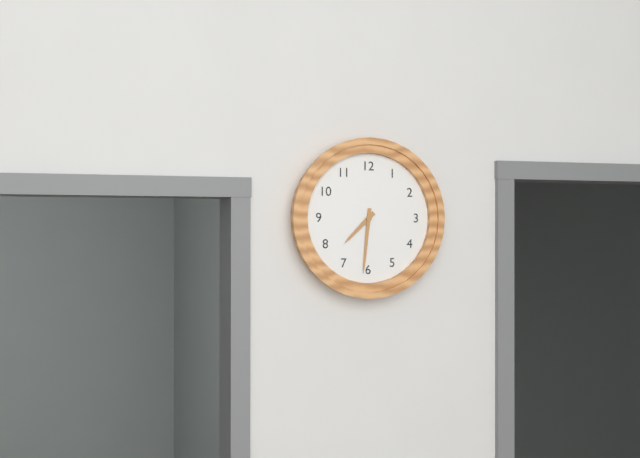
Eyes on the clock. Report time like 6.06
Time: 7.31
